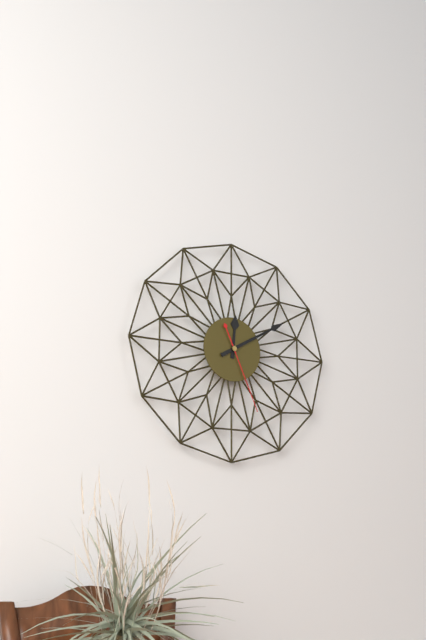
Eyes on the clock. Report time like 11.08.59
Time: 12.10.26
